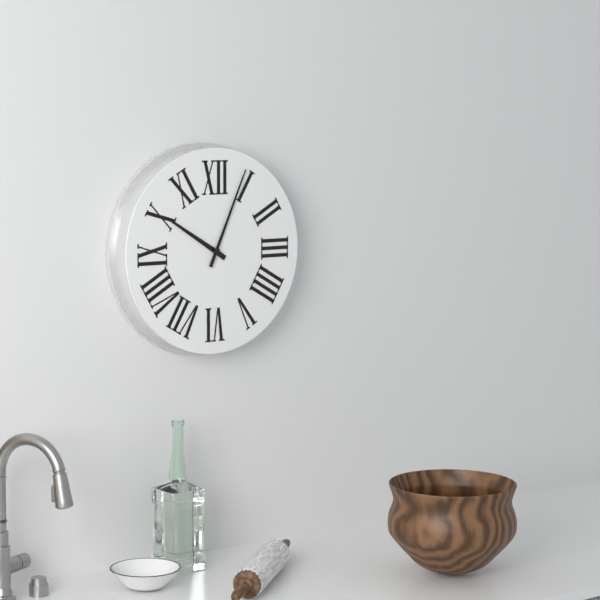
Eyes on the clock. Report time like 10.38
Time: 10.04
